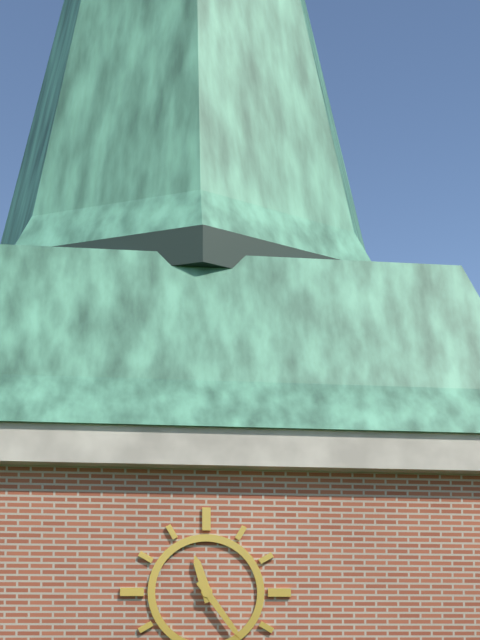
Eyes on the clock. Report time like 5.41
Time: 11.24
